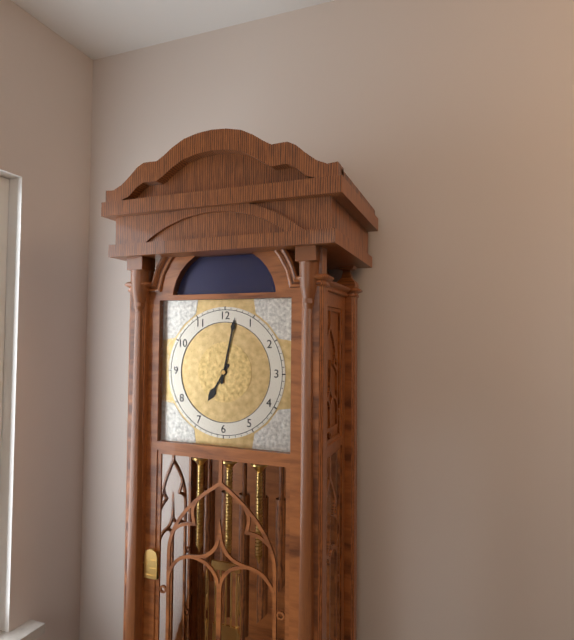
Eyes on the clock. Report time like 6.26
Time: 7.02
